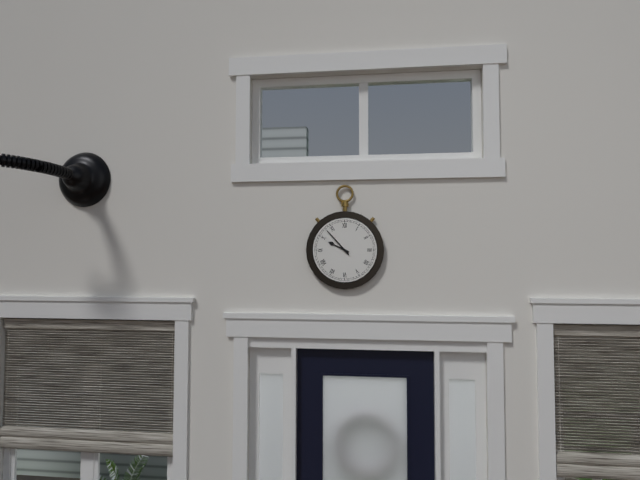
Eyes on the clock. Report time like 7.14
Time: 9.53
